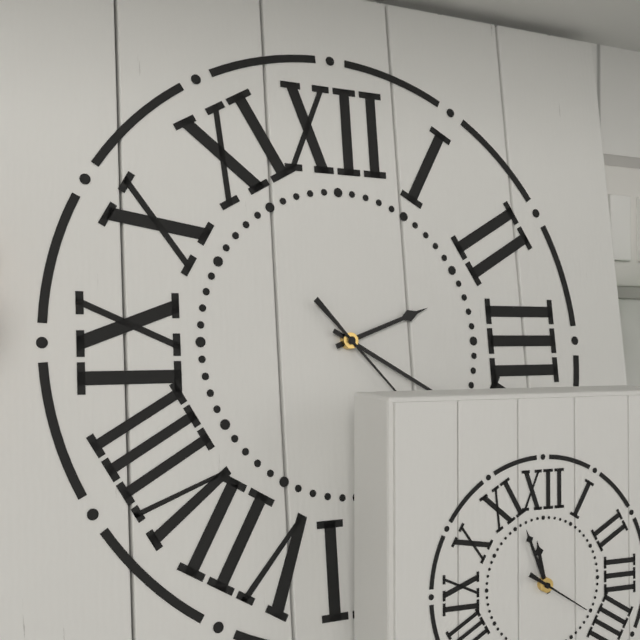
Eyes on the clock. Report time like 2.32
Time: 2.20
